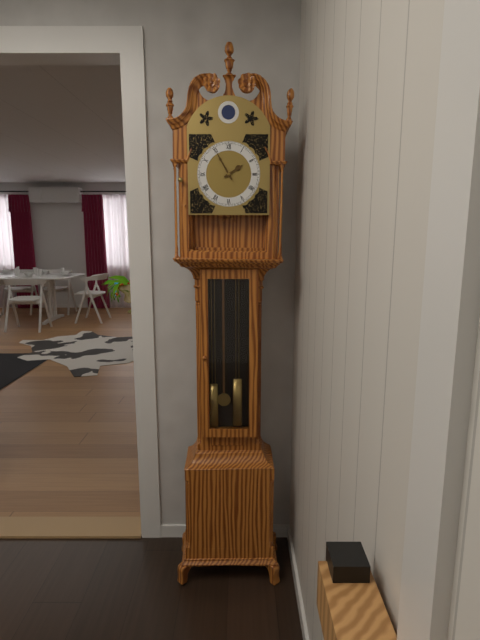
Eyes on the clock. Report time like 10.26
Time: 1.55
